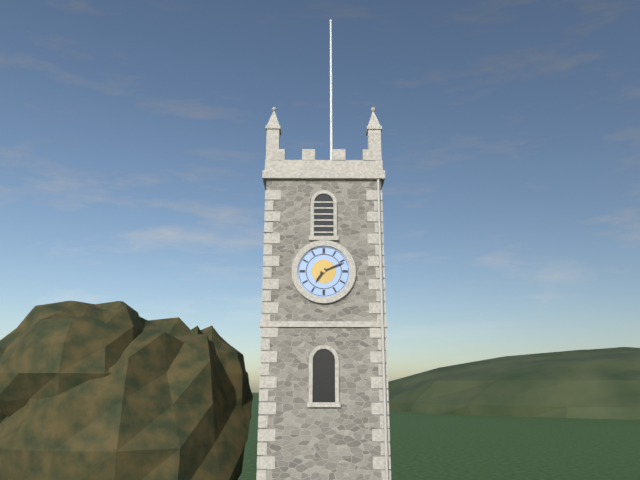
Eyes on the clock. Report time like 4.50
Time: 7.11
